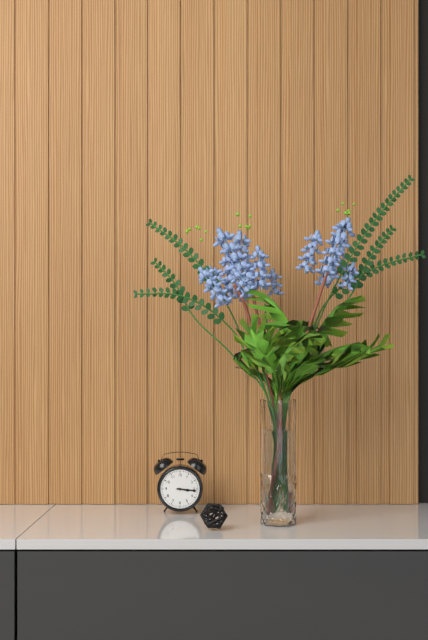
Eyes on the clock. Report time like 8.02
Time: 3.16
